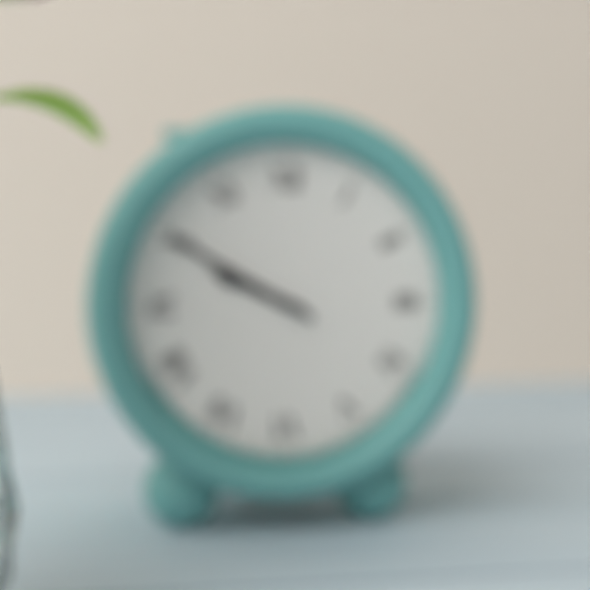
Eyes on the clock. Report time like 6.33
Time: 9.50
